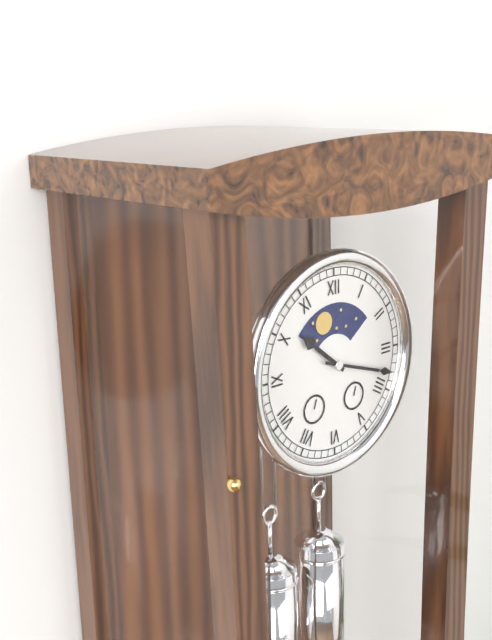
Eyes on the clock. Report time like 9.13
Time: 10.18
